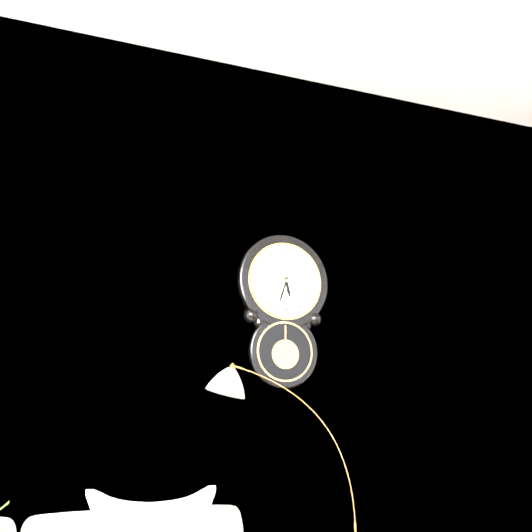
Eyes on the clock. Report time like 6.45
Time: 5.33
